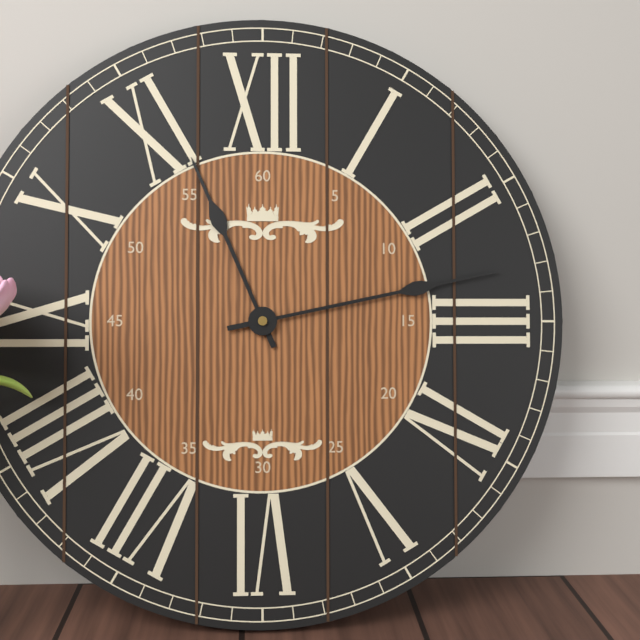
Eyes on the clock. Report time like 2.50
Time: 11.13
